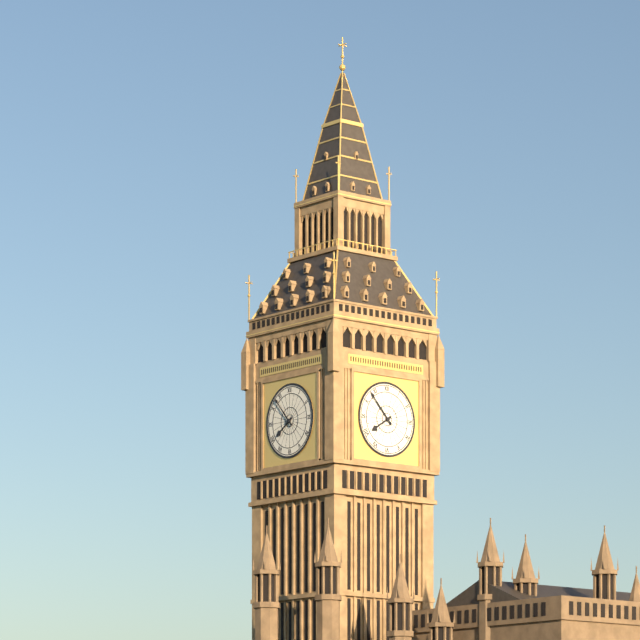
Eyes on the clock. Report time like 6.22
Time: 7.53
